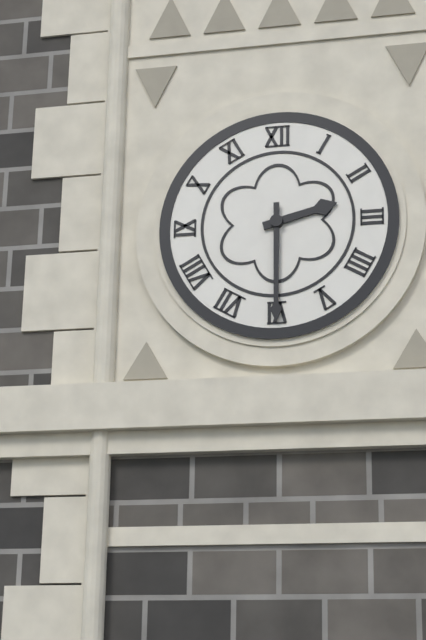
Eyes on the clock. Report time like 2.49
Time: 2.30
